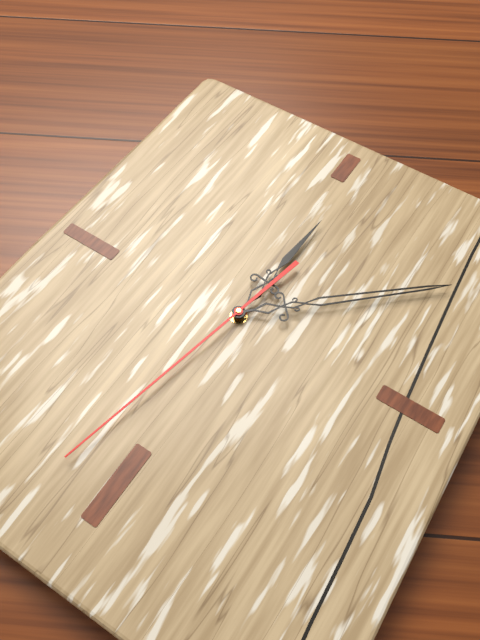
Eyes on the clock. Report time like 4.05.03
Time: 12.08.32
